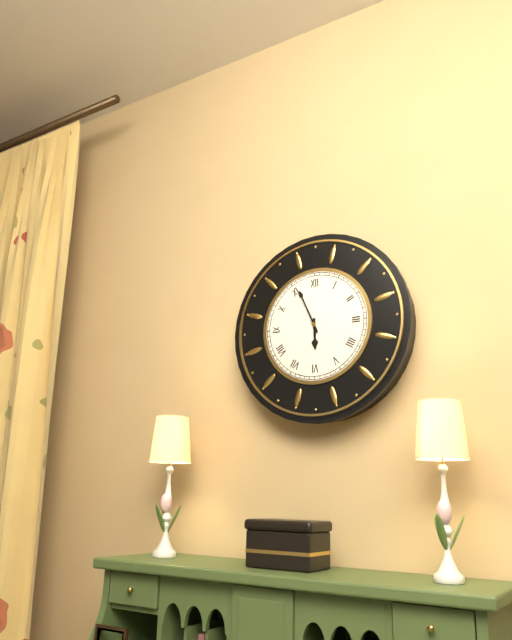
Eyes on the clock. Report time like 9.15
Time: 5.56
